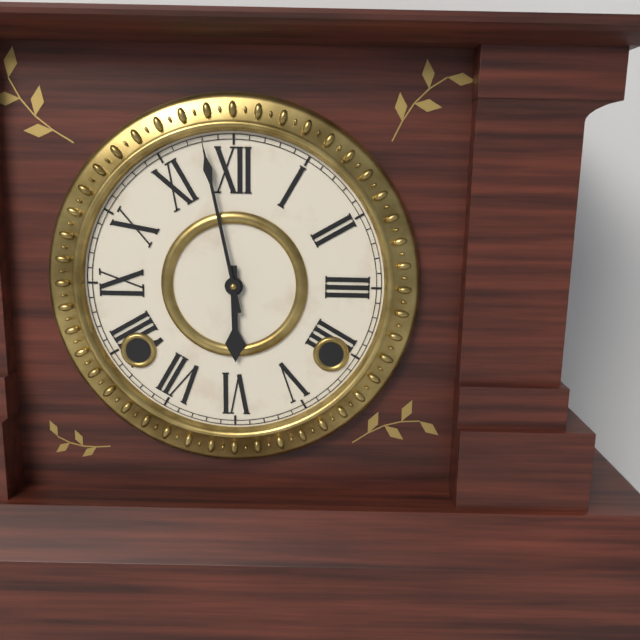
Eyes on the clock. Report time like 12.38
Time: 5.58
